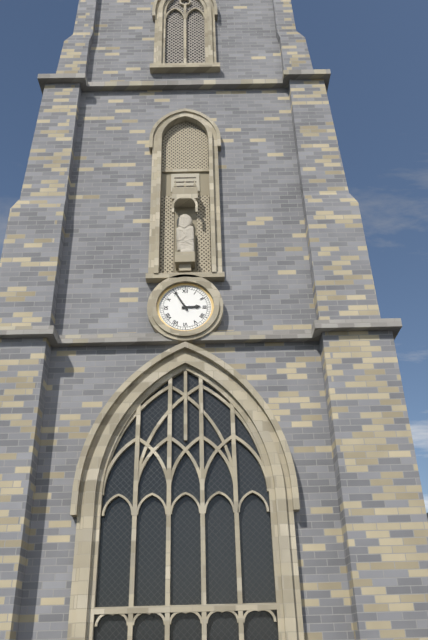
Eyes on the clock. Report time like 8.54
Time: 2.55
